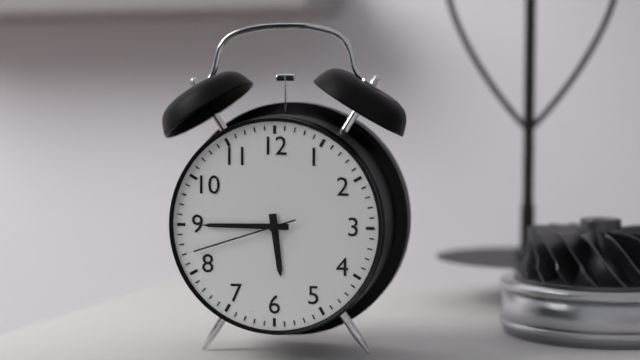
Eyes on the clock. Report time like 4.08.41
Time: 5.45.42
